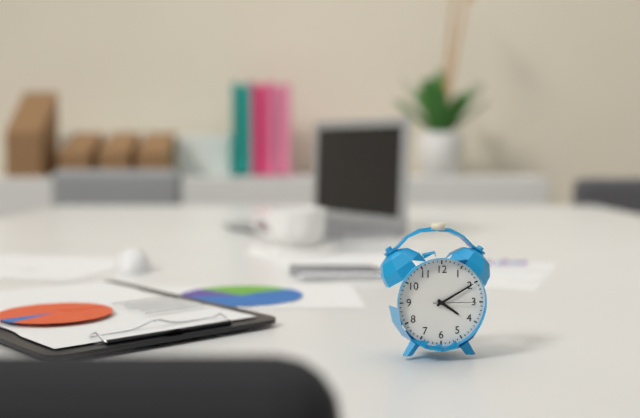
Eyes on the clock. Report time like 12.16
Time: 4.10
